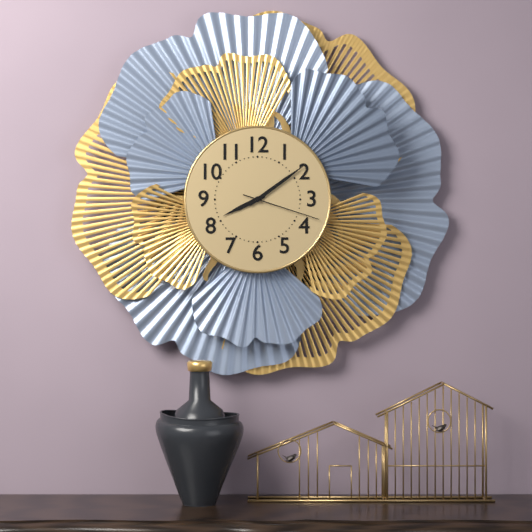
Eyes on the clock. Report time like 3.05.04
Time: 8.09.18
